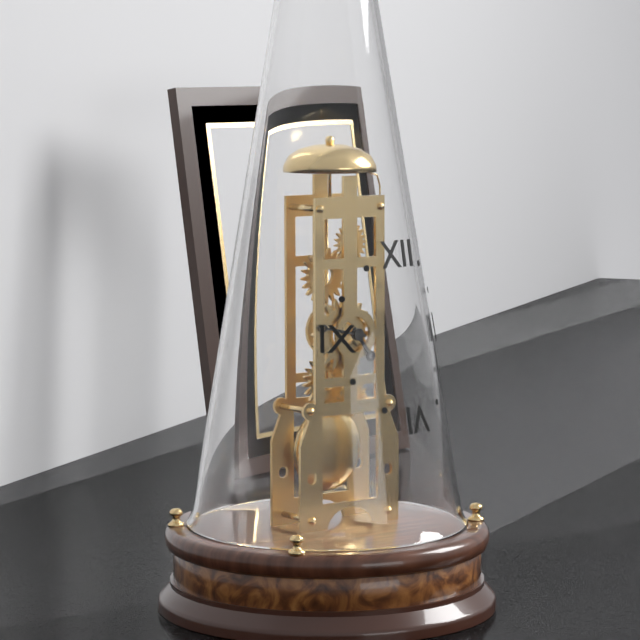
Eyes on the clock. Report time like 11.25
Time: 4.47
